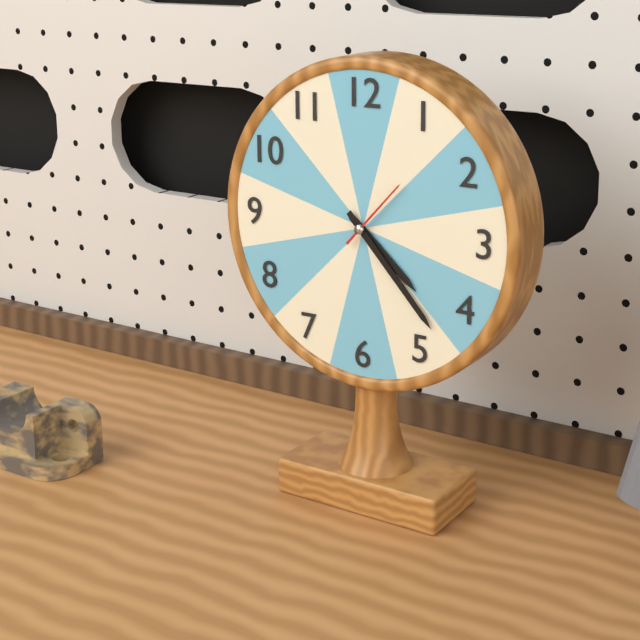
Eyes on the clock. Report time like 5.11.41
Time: 4.23.07
